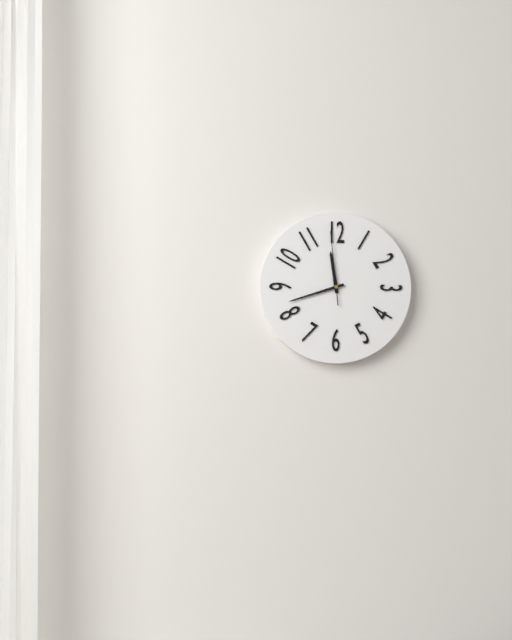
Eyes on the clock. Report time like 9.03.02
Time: 11.42.59
